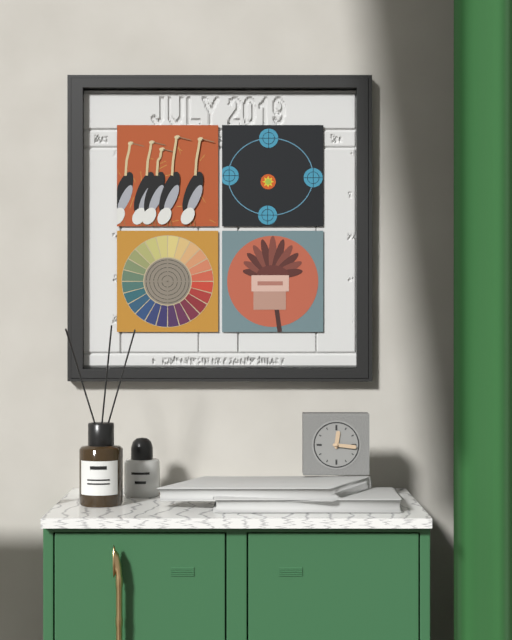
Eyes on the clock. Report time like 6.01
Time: 12.16
